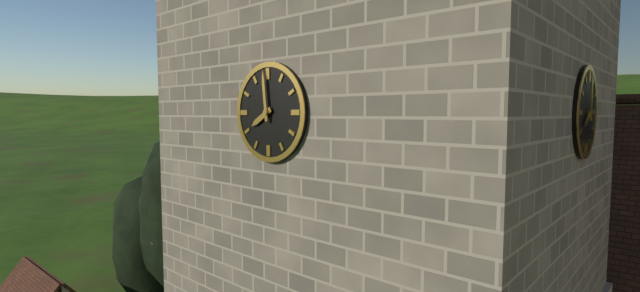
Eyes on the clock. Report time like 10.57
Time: 7.59
